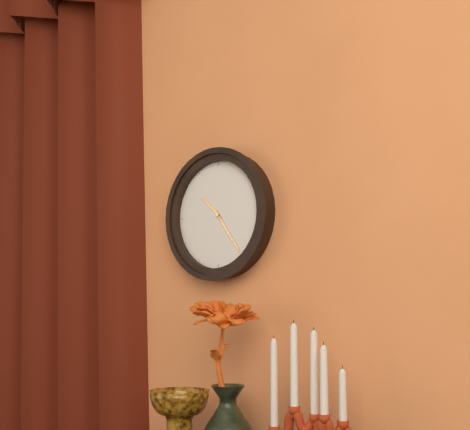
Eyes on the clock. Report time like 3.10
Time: 10.24
